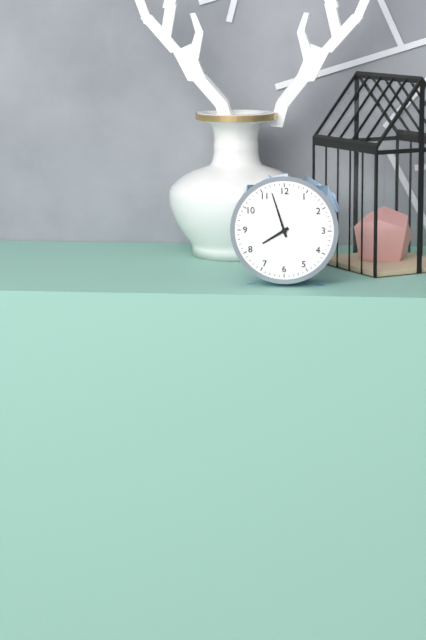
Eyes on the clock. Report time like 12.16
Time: 7.57
